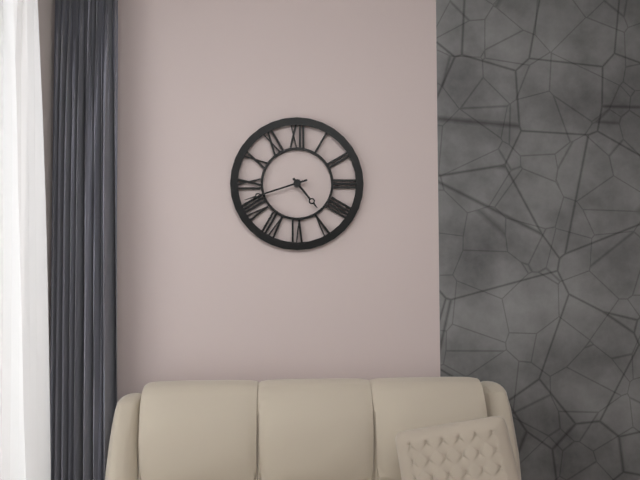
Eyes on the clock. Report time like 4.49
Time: 4.42
